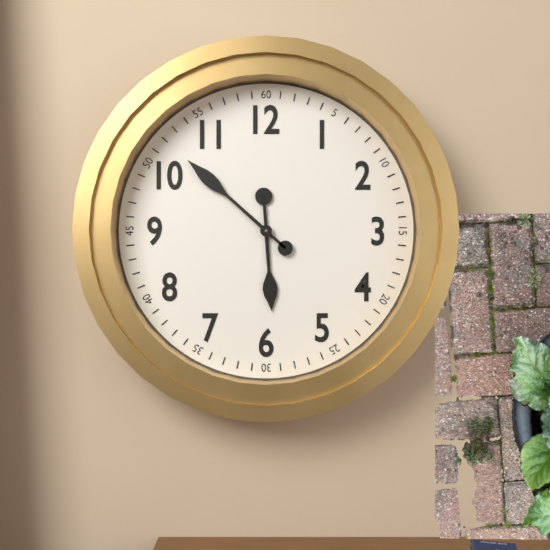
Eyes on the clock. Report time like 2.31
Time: 5.52
